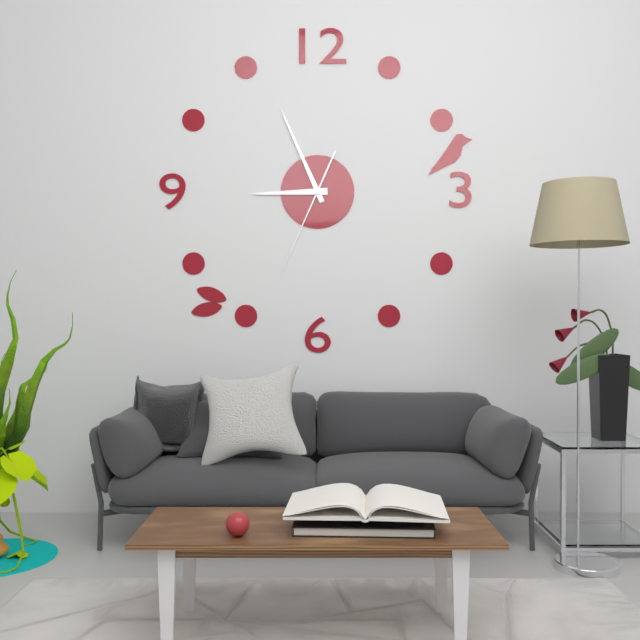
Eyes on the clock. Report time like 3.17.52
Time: 8.56.34
